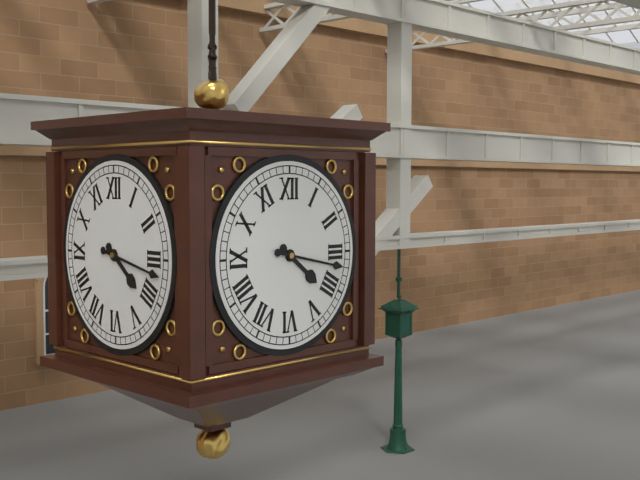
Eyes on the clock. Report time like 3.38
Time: 4.17
